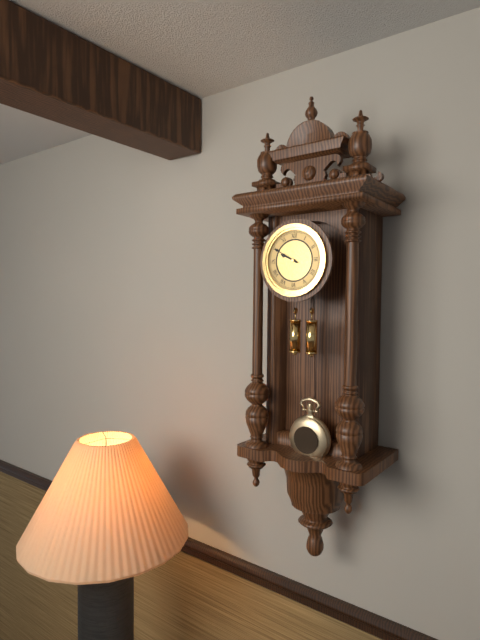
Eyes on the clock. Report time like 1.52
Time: 9.50
